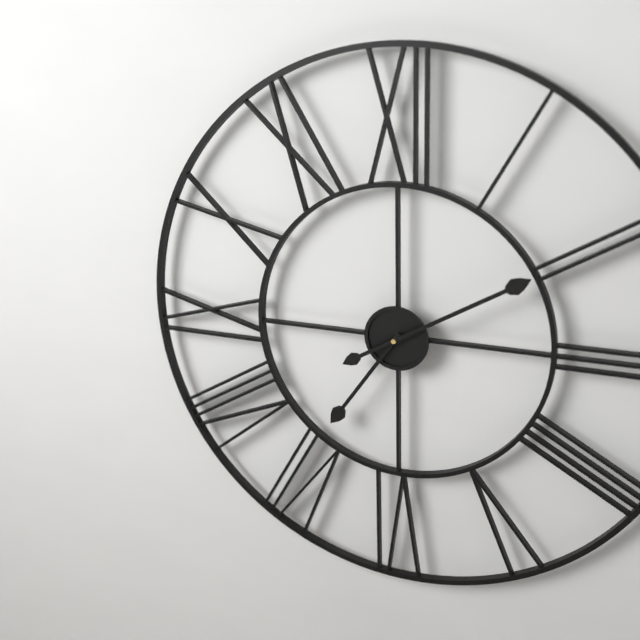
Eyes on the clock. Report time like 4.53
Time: 7.10
